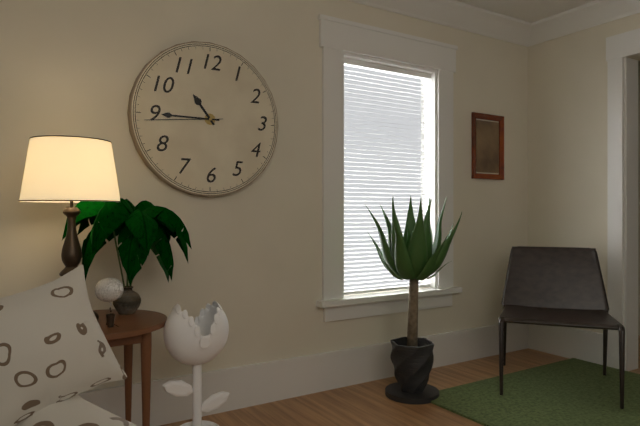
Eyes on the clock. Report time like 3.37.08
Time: 10.45.44
